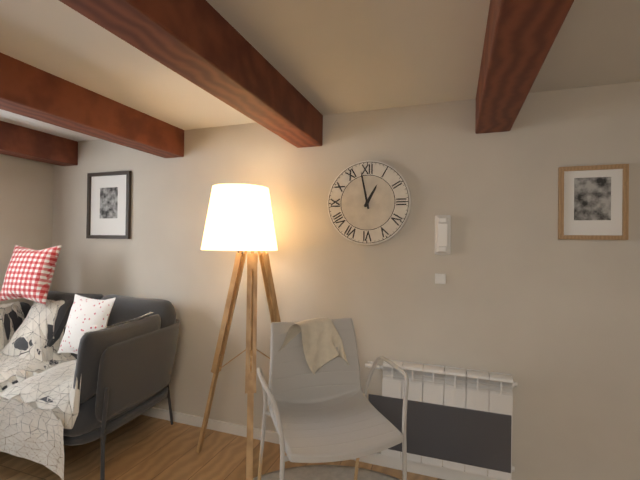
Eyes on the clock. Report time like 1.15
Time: 12.58
